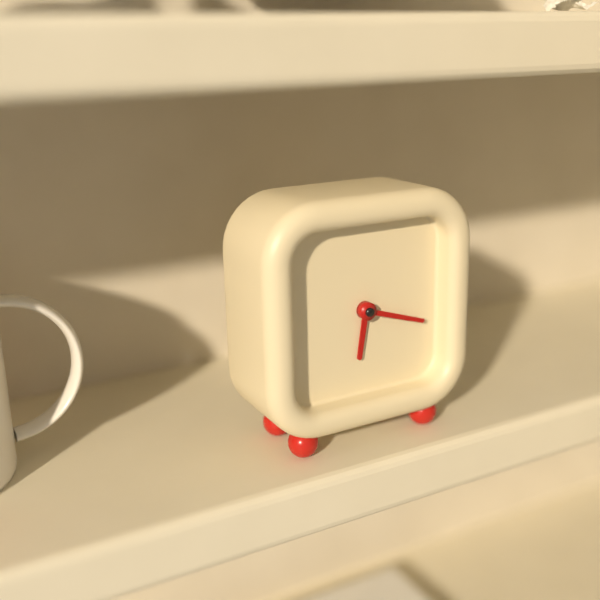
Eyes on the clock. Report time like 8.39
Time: 6.18
